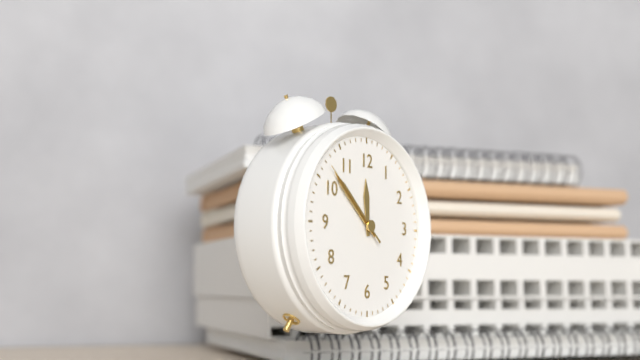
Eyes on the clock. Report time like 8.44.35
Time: 11.52.52
